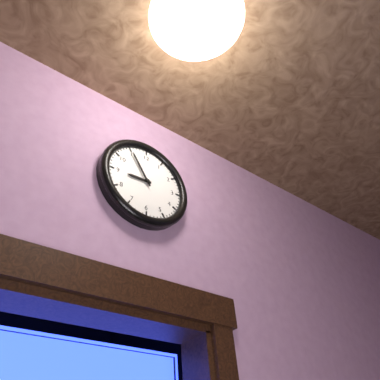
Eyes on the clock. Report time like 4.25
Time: 8.55
